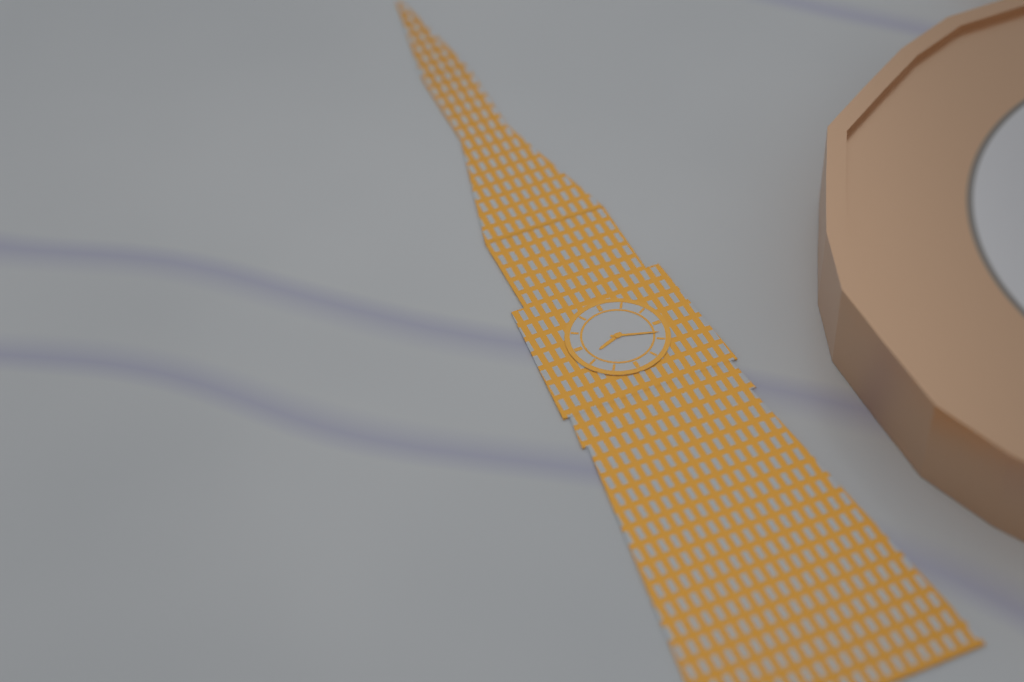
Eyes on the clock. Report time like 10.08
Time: 8.18
